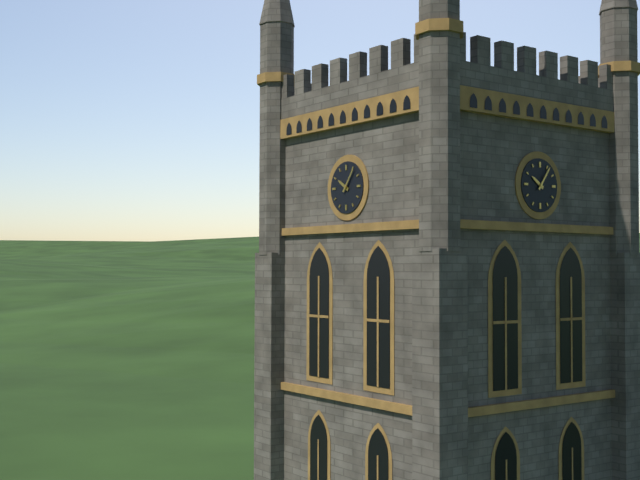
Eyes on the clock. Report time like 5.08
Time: 10.06
